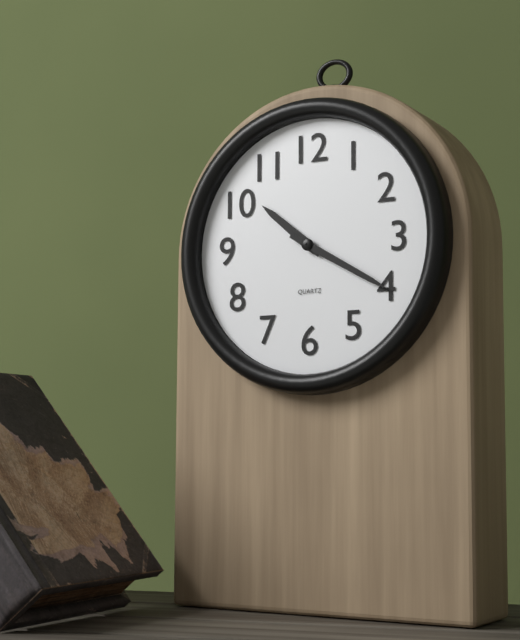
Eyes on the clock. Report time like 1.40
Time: 10.20
